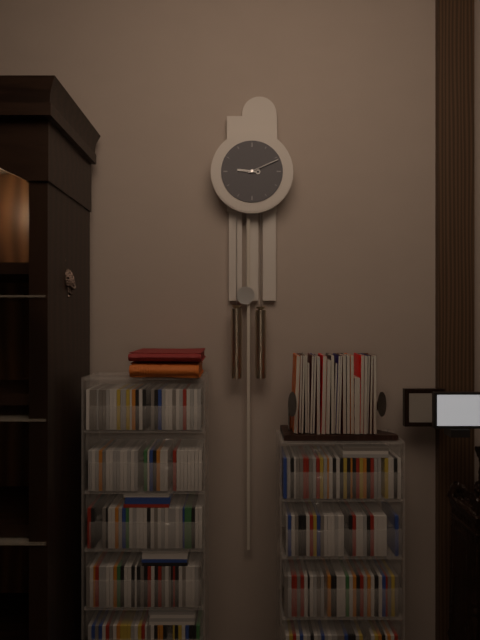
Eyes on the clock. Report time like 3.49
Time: 9.11
